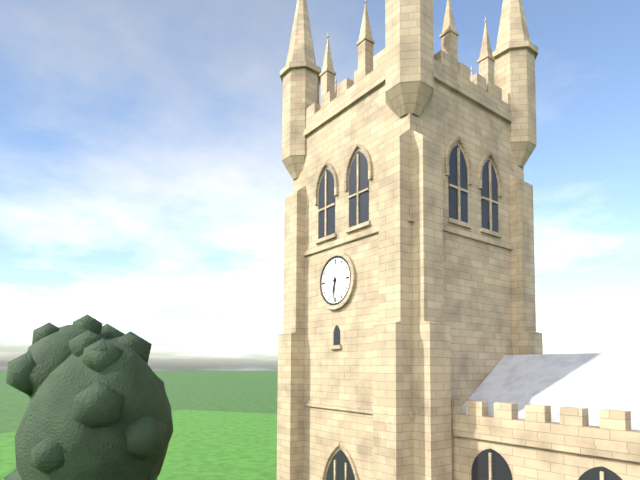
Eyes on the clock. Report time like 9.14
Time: 6.31
